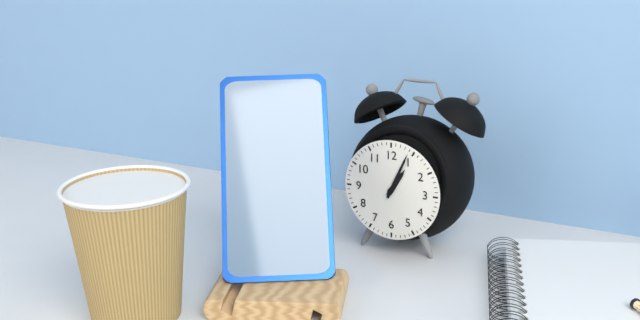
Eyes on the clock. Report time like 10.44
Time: 1.04
